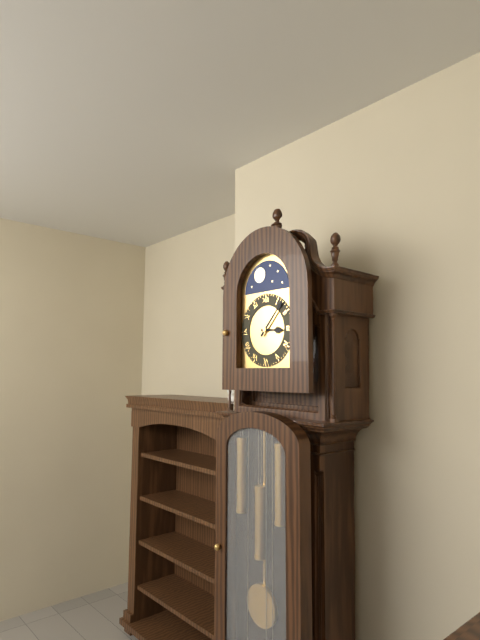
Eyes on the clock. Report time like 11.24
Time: 3.07
